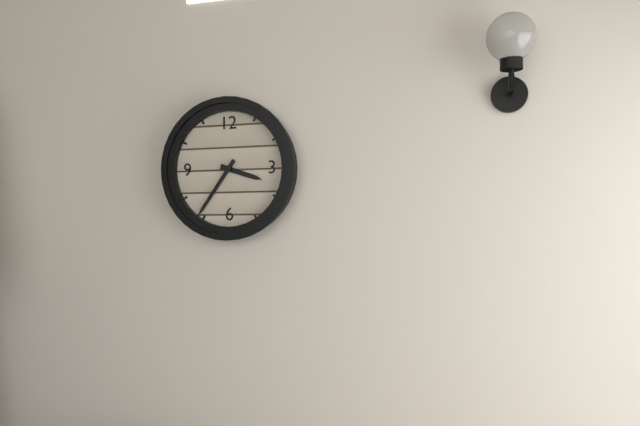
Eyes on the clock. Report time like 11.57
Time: 3.36
